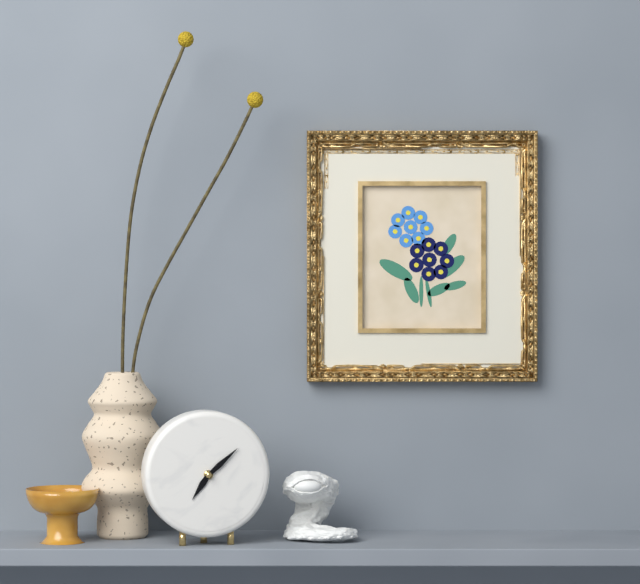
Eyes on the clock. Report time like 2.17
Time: 7.08
